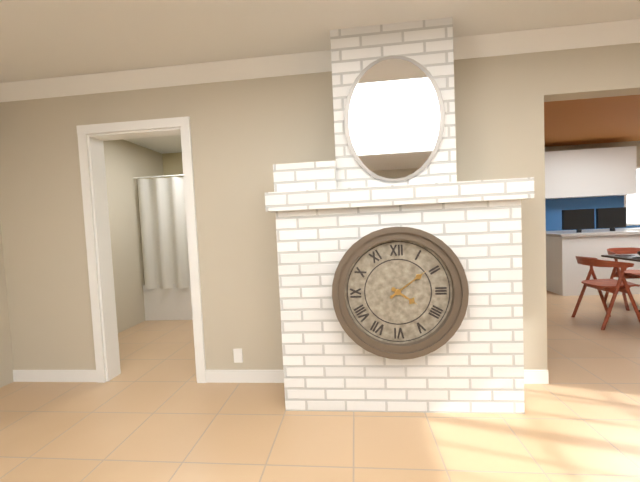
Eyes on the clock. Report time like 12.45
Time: 4.09
